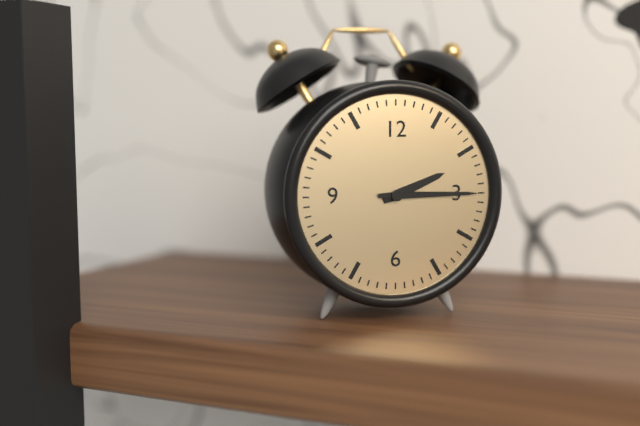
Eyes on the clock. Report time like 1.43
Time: 2.15
